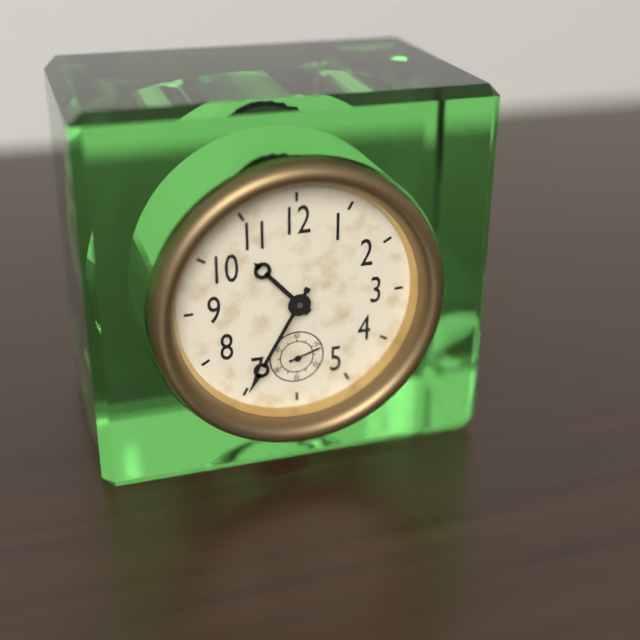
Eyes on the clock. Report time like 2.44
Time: 10.35
